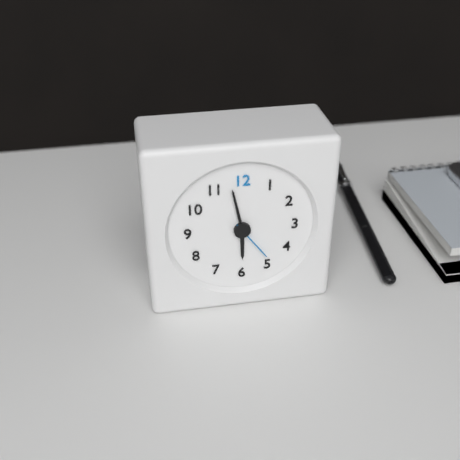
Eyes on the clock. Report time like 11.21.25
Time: 5.58.24
